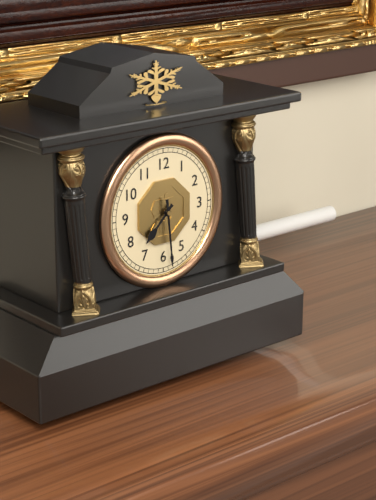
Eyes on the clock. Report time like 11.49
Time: 7.29
